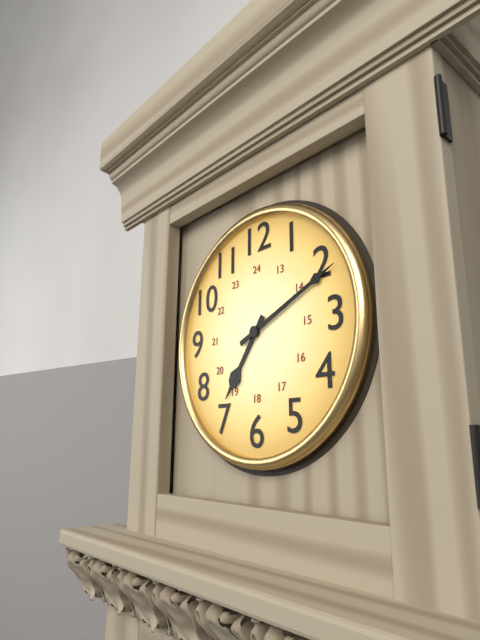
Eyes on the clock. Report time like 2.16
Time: 7.11
